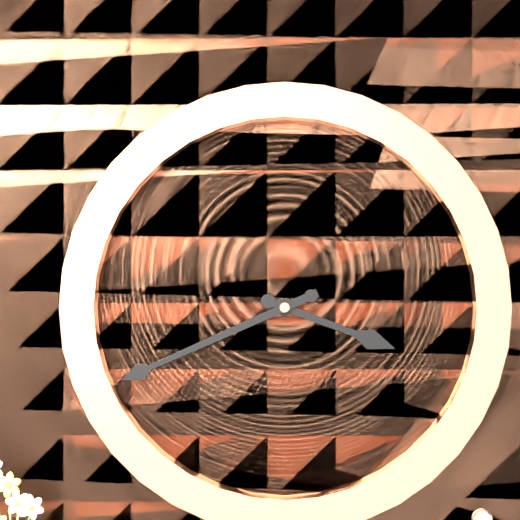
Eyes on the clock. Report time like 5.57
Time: 3.41
